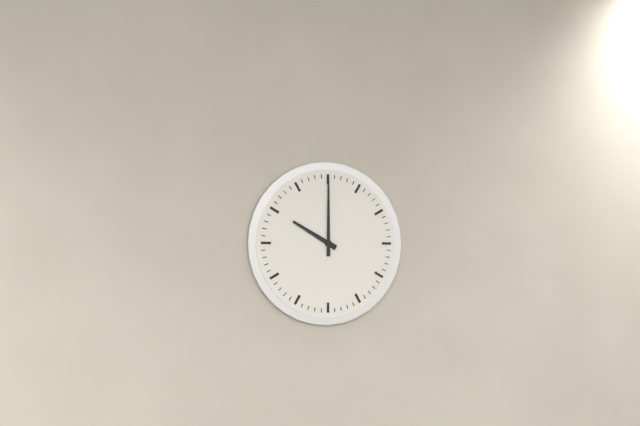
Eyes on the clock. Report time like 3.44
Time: 10.00
